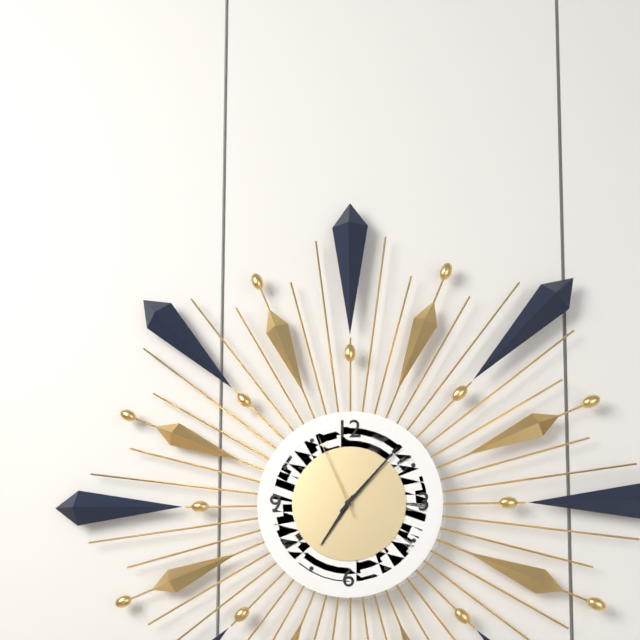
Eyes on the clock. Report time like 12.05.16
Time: 7.07.56
